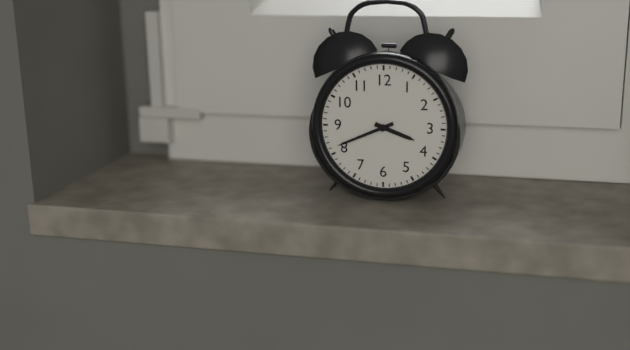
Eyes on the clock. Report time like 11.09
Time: 3.41
